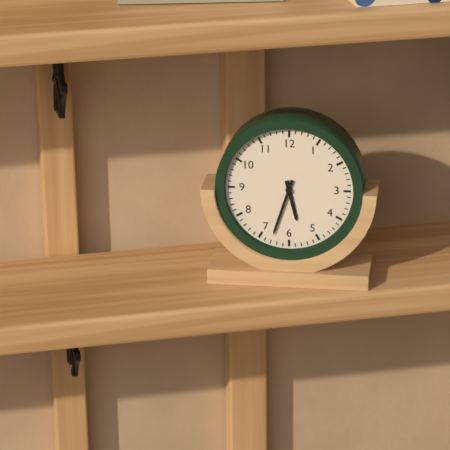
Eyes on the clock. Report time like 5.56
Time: 5.33
